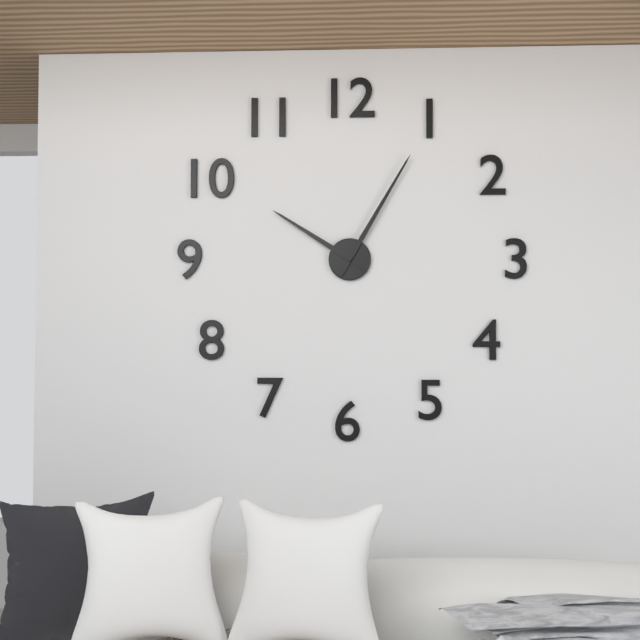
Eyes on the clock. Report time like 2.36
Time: 10.05
